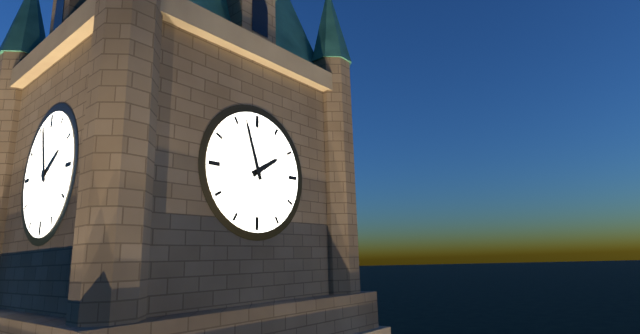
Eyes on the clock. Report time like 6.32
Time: 1.57
